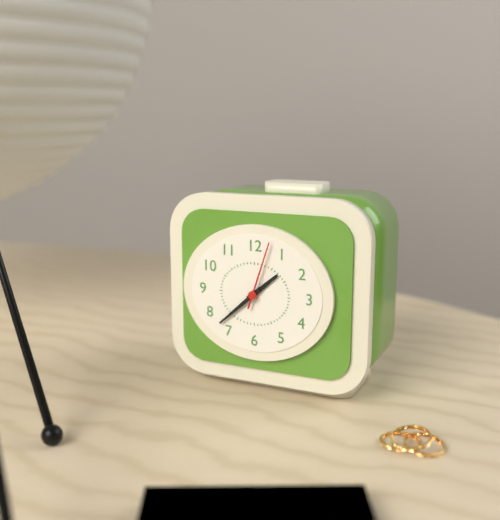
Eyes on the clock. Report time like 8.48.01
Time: 1.38.03
